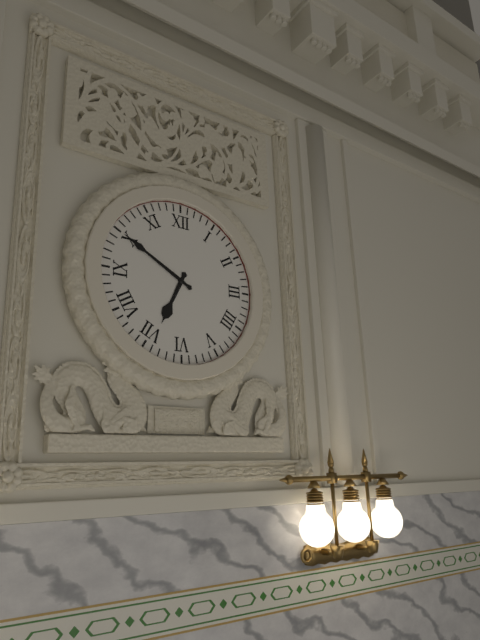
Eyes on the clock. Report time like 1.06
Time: 6.50
